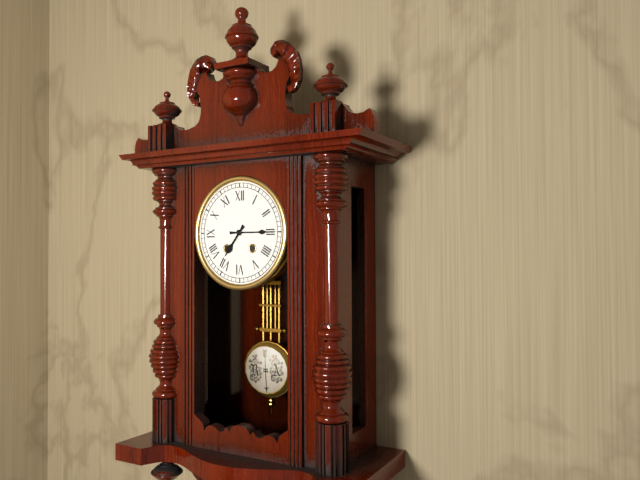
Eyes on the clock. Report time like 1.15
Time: 7.15
